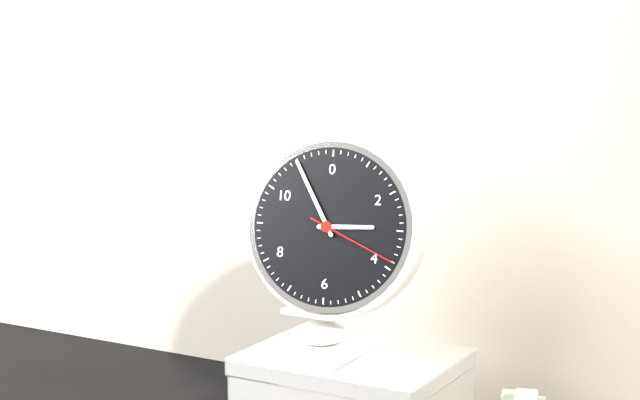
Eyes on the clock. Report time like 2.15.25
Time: 2.55.19
